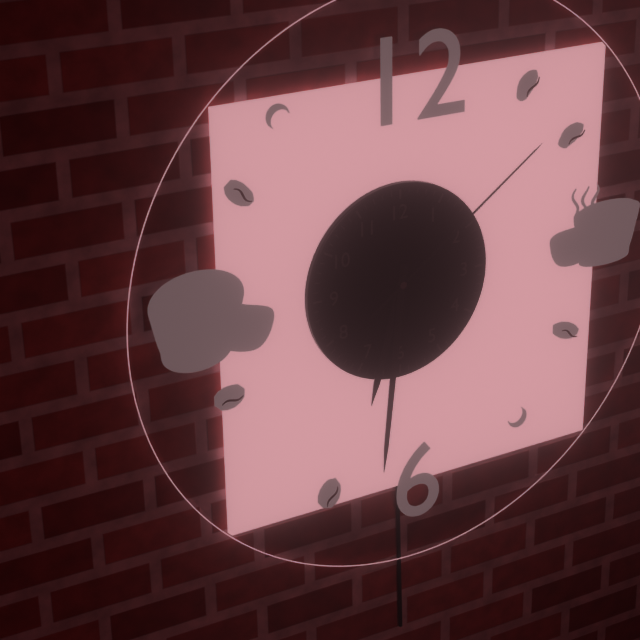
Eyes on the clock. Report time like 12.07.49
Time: 6.31.09
